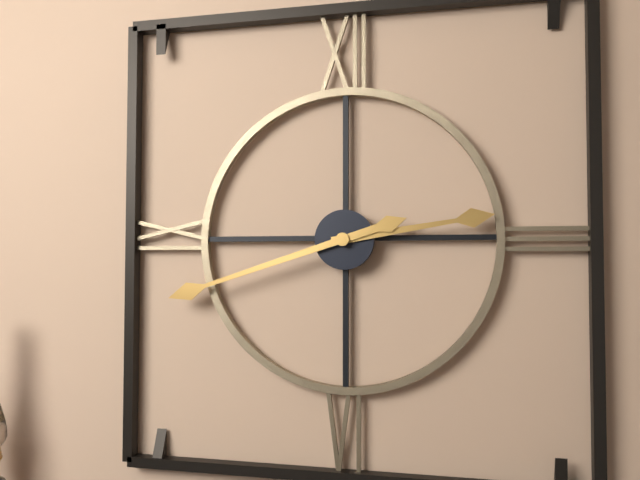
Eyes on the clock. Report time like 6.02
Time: 2.42
